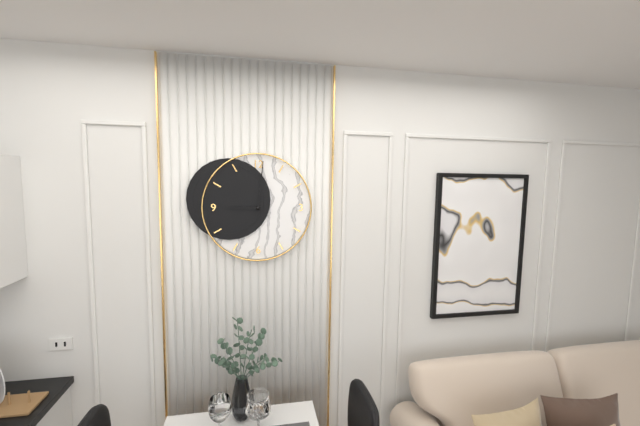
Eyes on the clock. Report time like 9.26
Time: 9.01
